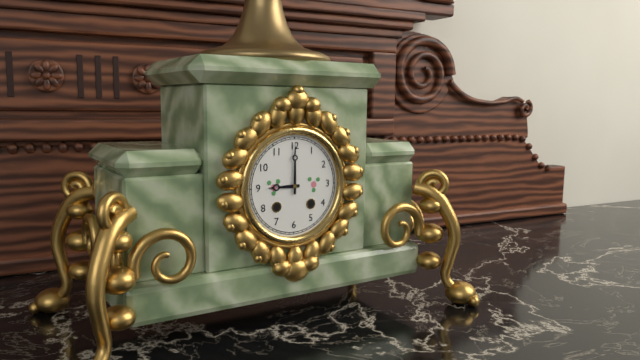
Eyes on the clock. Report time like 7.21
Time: 9.00
